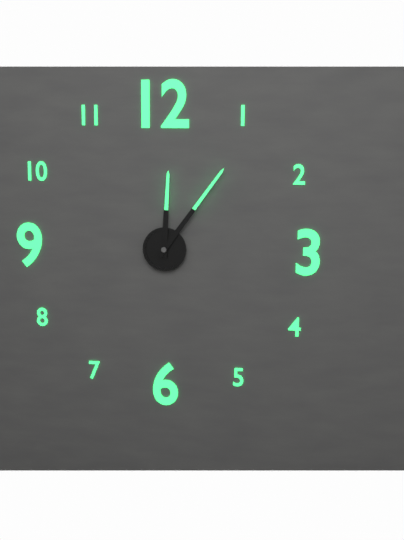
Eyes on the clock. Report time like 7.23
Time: 12.06
